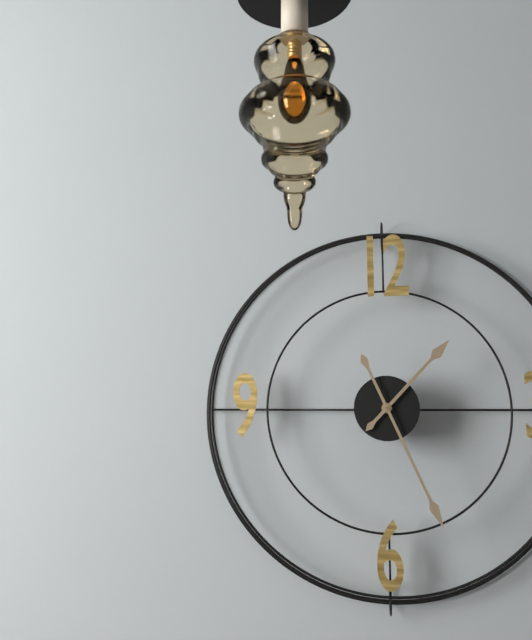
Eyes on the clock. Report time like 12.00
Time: 1.26
